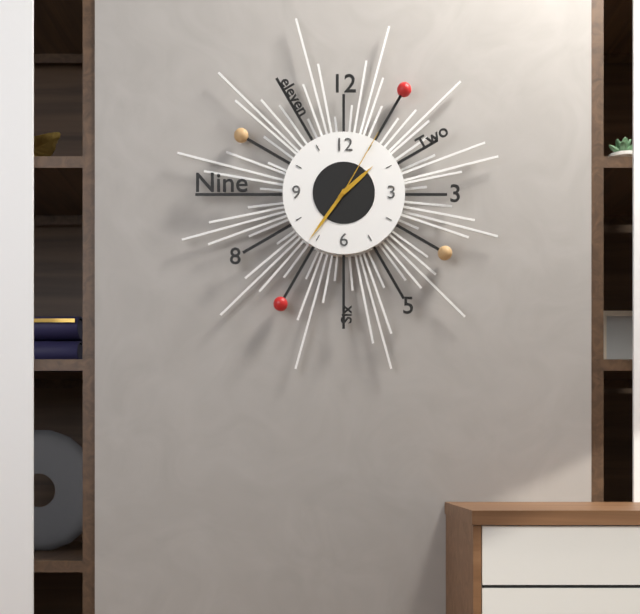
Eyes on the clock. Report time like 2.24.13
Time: 1.36.05
